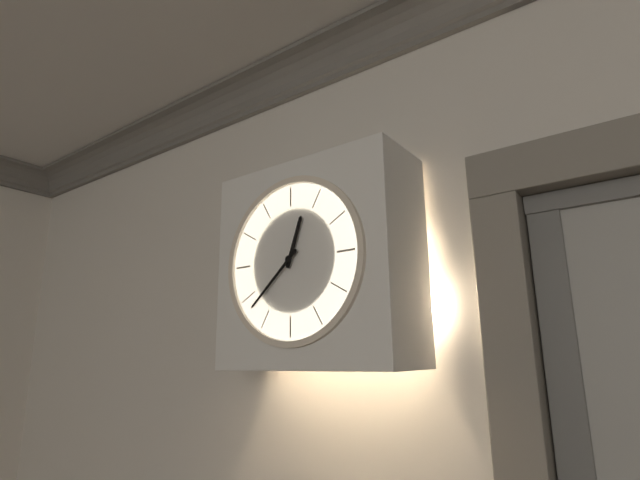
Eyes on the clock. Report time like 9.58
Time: 12.38
